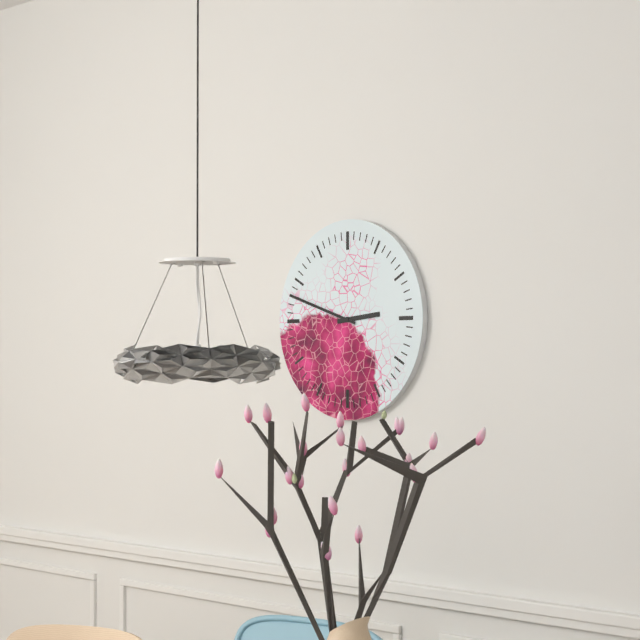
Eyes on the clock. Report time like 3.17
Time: 2.48
